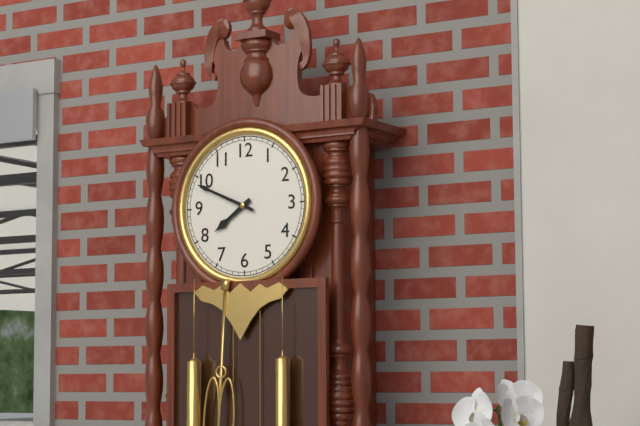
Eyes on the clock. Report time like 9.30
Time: 7.49
